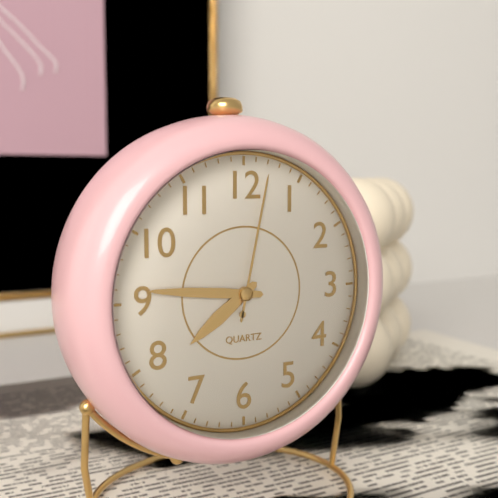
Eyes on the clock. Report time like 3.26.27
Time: 7.46.02
